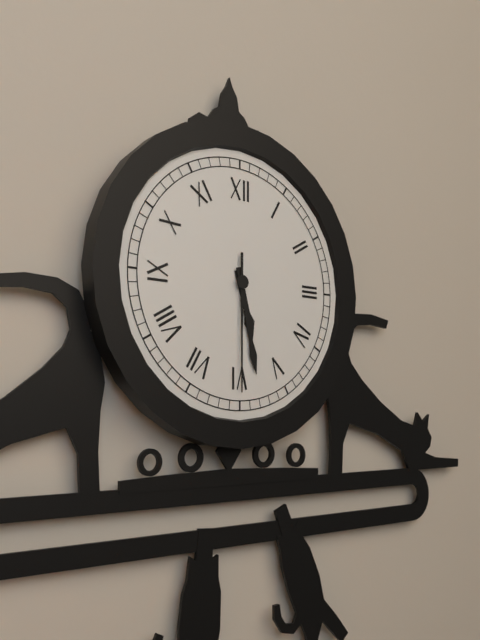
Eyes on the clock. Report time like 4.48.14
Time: 5.28.30
